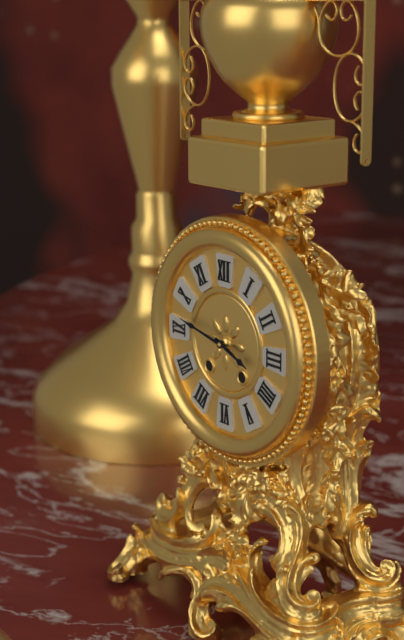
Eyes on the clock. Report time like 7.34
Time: 3.47
